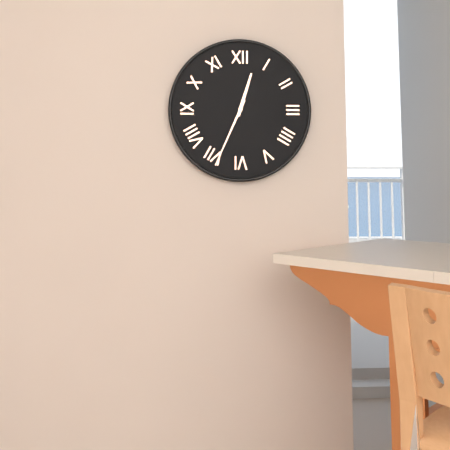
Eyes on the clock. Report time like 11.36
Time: 12.34
